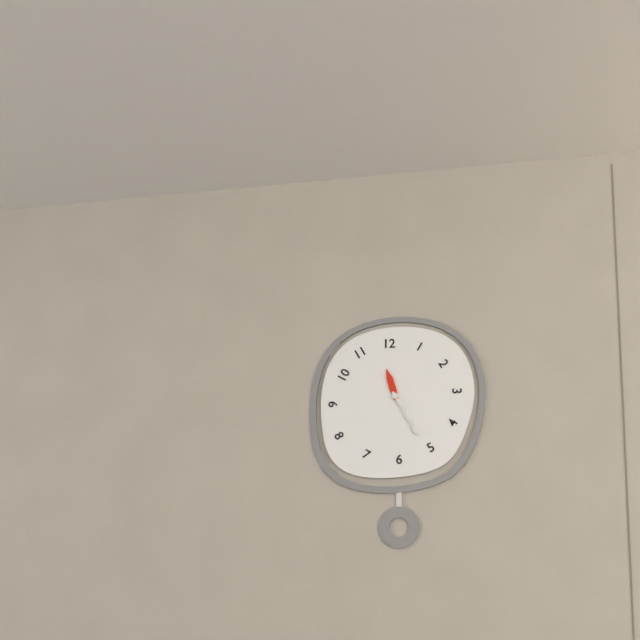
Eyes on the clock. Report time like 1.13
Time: 11.25
